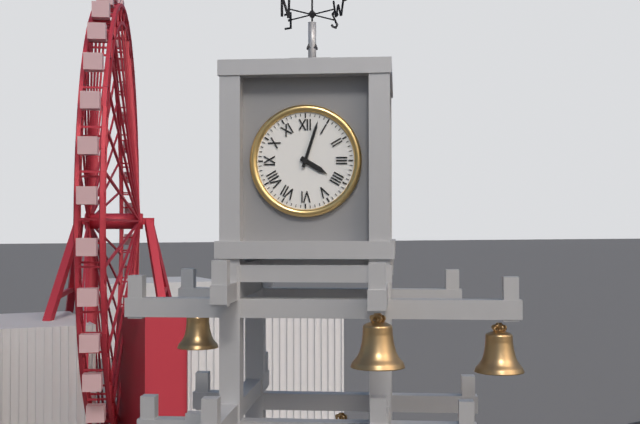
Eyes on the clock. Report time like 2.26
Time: 4.03
